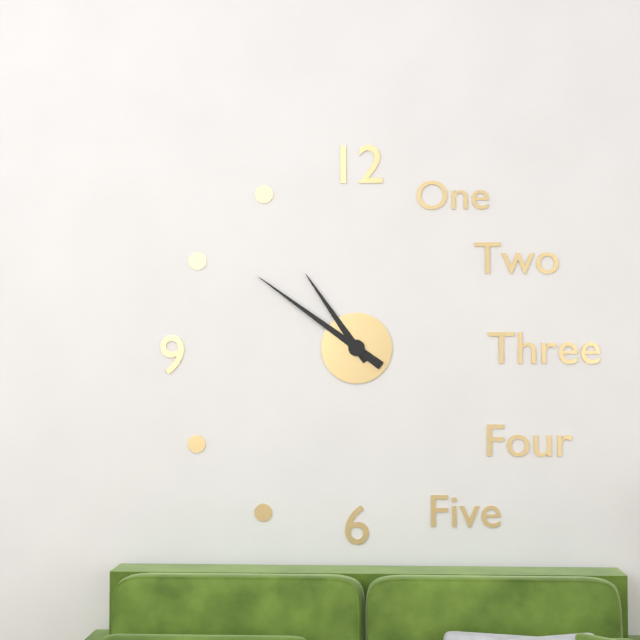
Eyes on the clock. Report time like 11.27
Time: 10.51
